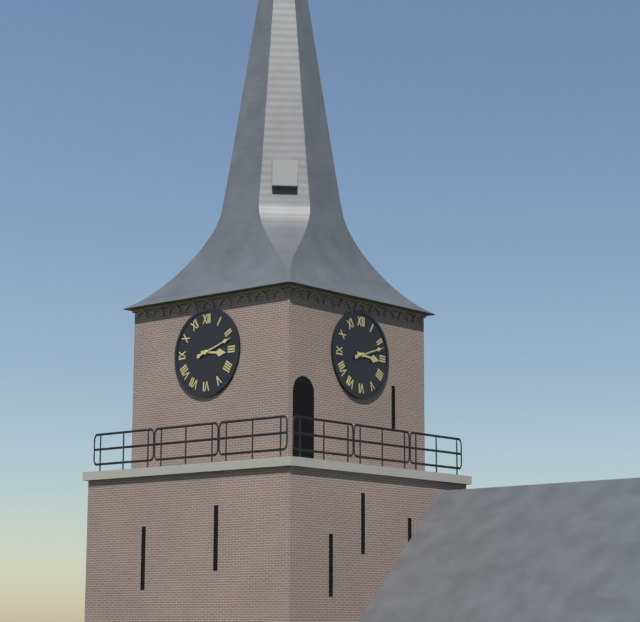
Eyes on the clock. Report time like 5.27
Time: 3.12
